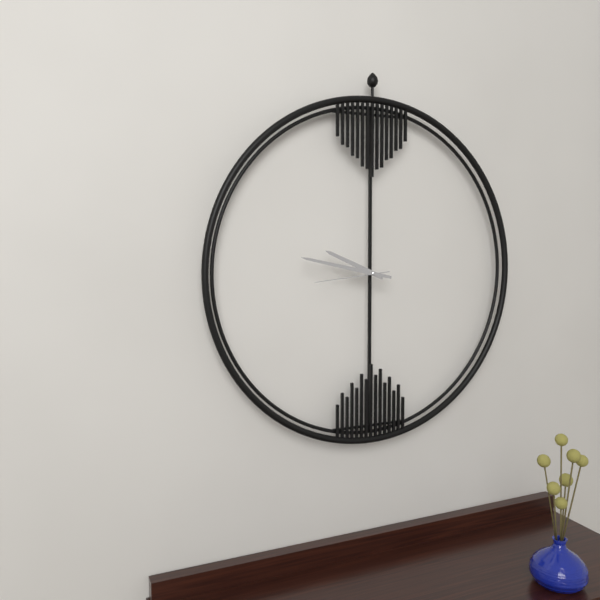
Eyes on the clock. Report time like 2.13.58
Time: 9.47.44
